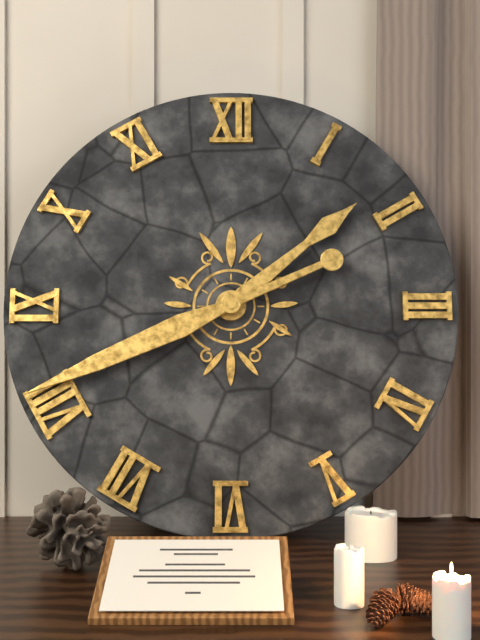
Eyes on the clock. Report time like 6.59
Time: 1.41
